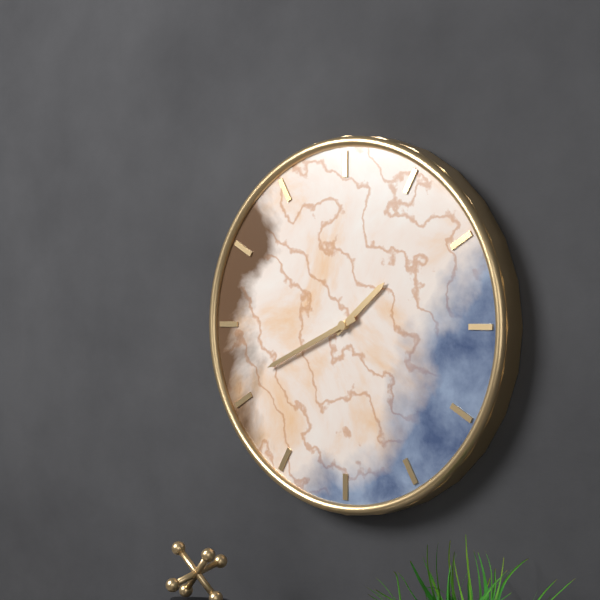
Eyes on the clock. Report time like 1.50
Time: 1.41
